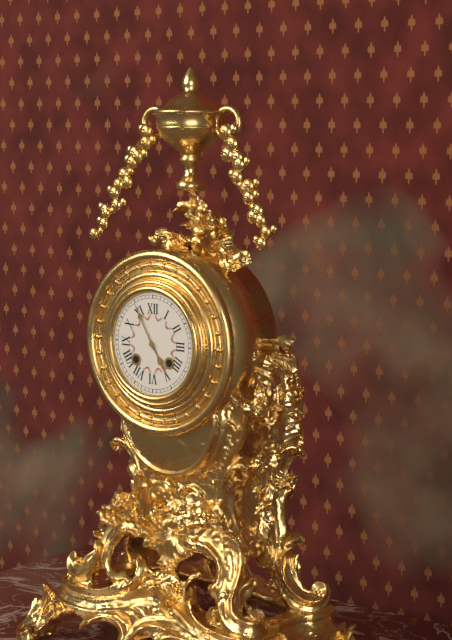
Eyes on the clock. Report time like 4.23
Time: 4.55
